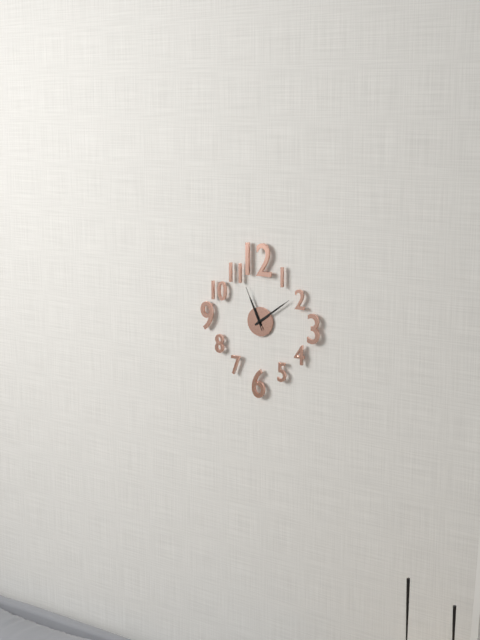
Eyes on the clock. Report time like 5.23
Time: 11.09
